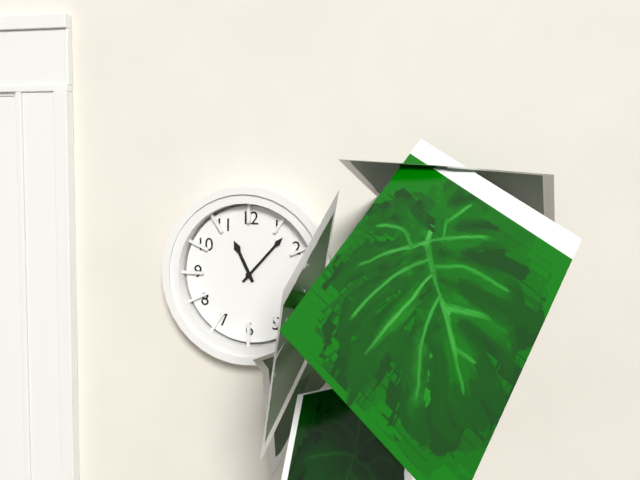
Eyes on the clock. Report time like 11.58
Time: 11.07
